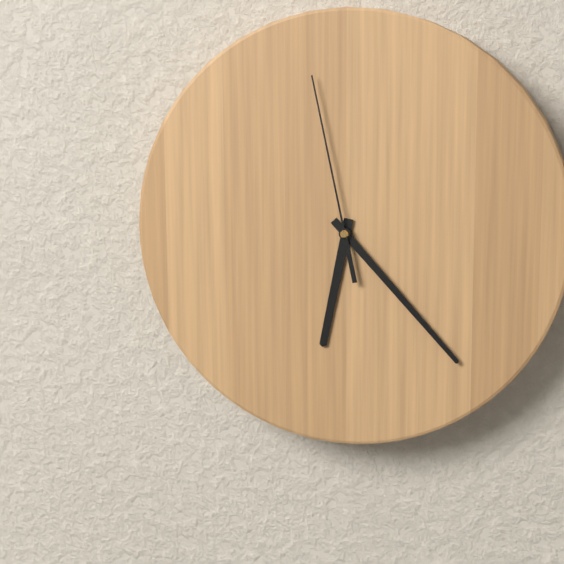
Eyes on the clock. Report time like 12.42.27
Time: 6.23.58
